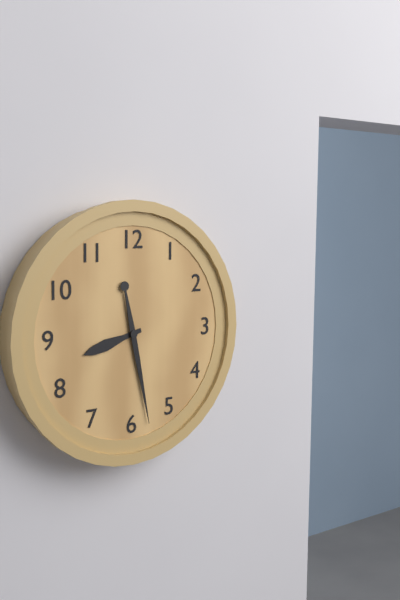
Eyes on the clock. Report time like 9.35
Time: 8.28
